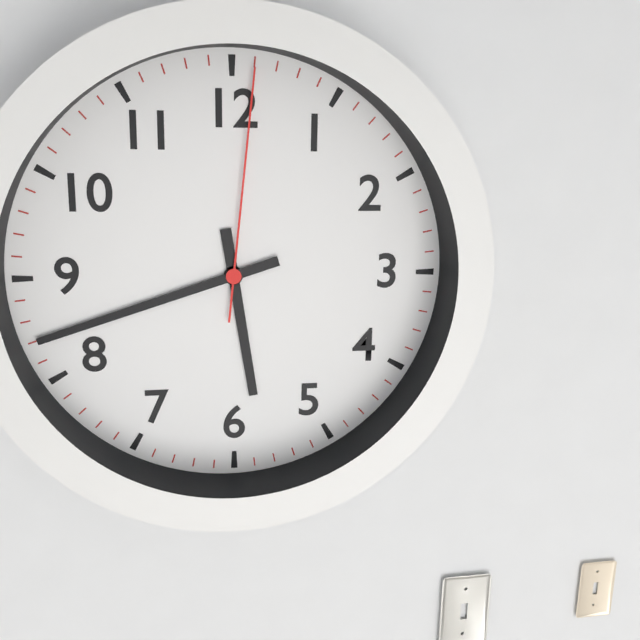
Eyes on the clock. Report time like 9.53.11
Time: 5.42.01
